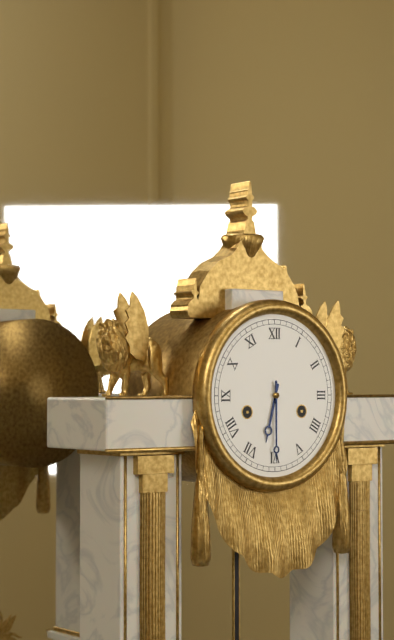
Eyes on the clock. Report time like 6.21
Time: 6.30
